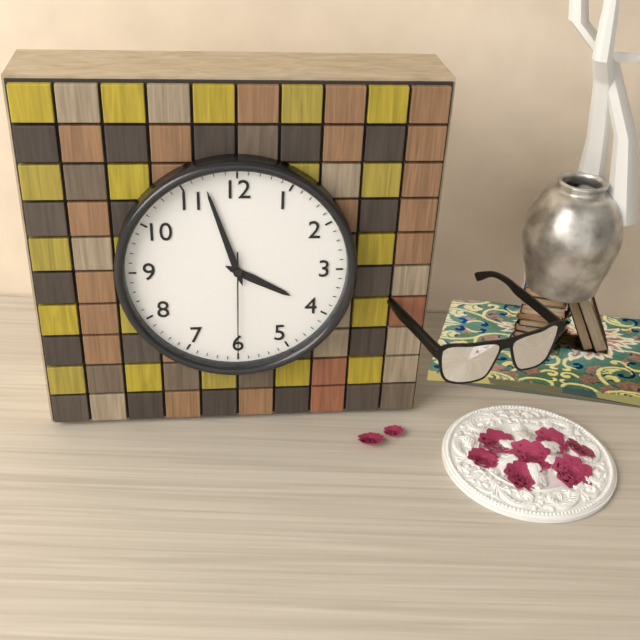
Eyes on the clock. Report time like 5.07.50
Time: 3.57.30
